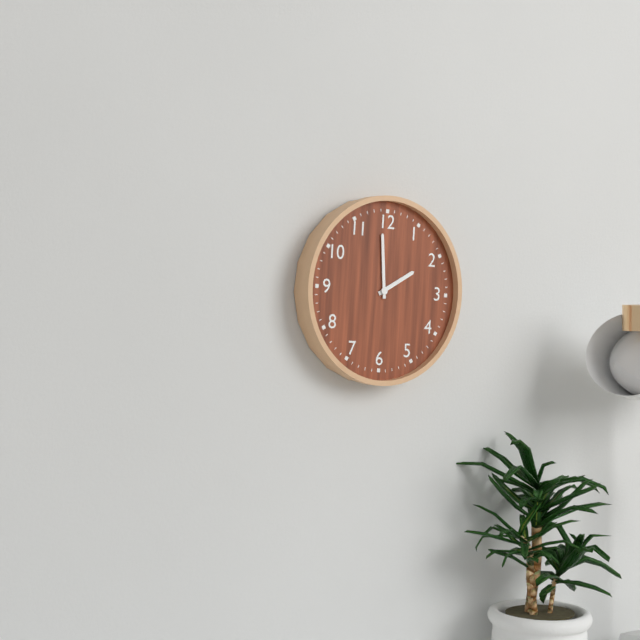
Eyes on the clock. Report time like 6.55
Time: 1.59
